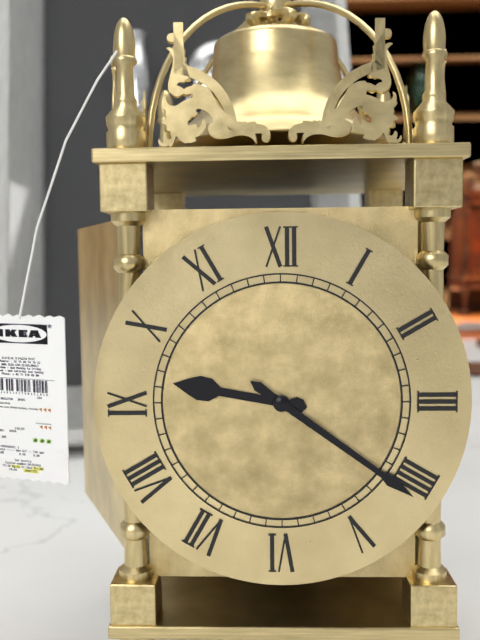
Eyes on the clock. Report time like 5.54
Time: 9.21
